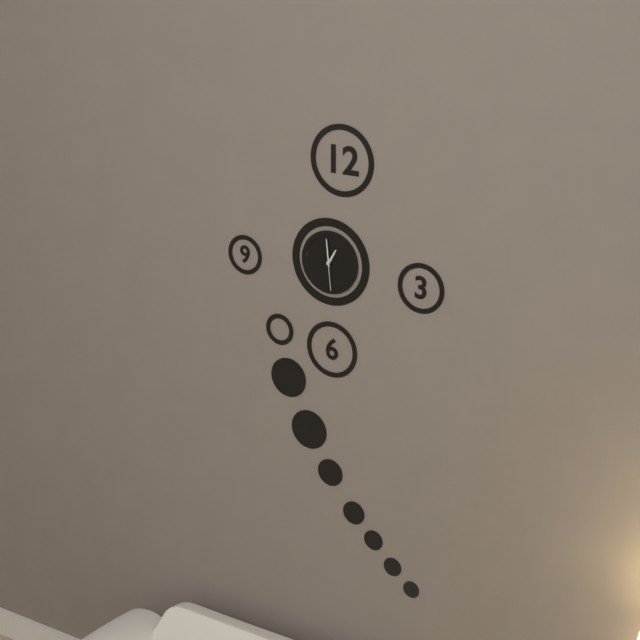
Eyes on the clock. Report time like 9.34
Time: 12.59
